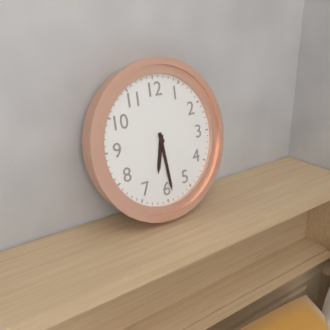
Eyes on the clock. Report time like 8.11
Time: 6.29
